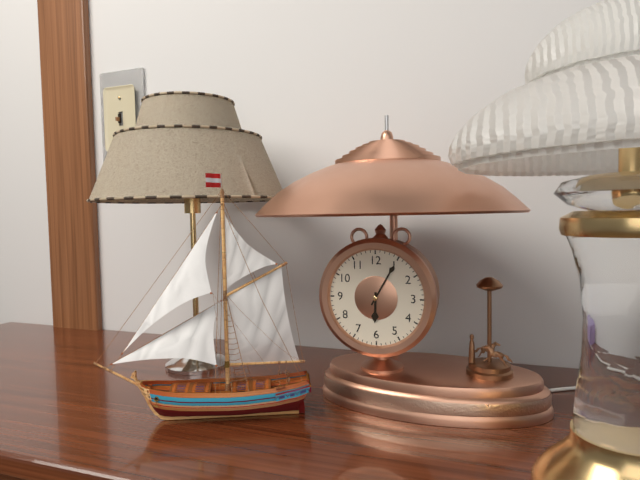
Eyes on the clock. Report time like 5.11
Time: 6.05
